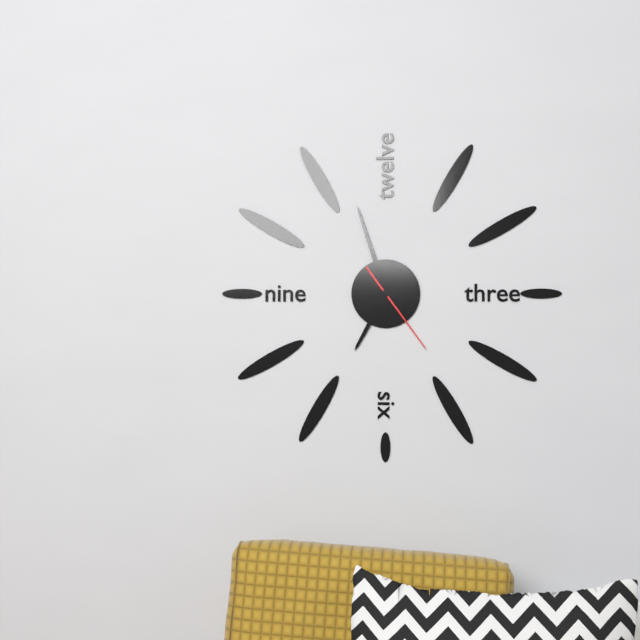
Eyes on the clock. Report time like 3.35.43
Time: 6.57.24
